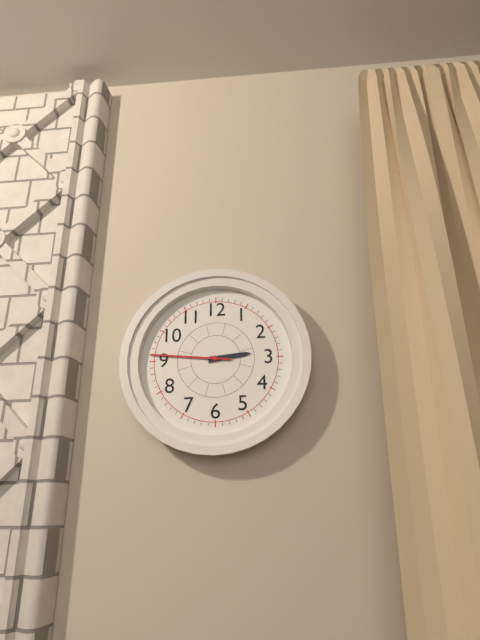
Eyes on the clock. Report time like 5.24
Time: 2.46
